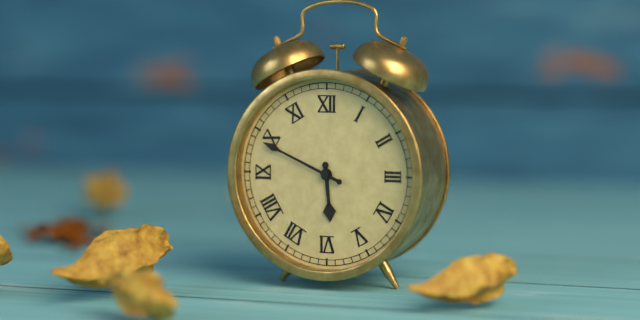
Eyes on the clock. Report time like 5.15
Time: 5.49
